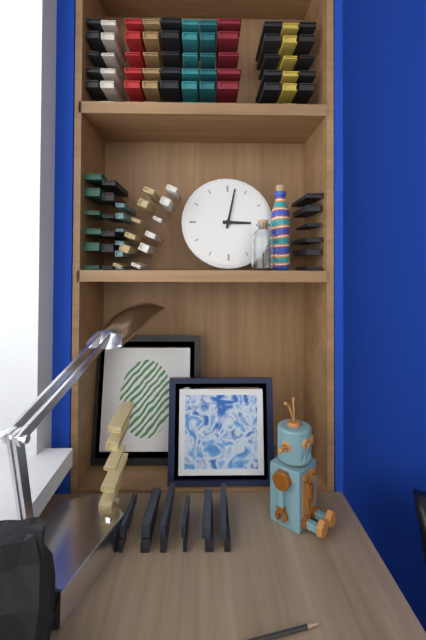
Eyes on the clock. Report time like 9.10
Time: 3.02
